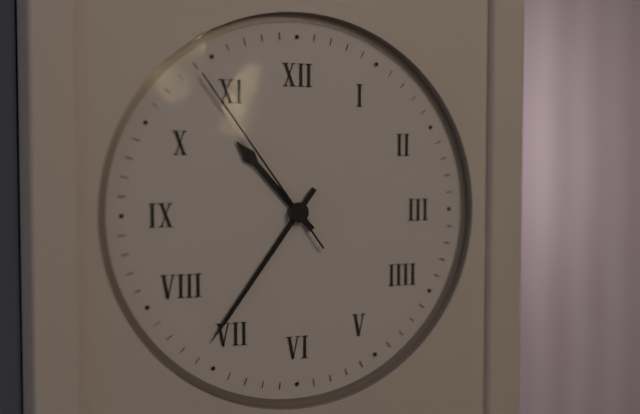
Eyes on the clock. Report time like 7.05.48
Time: 10.36.54
